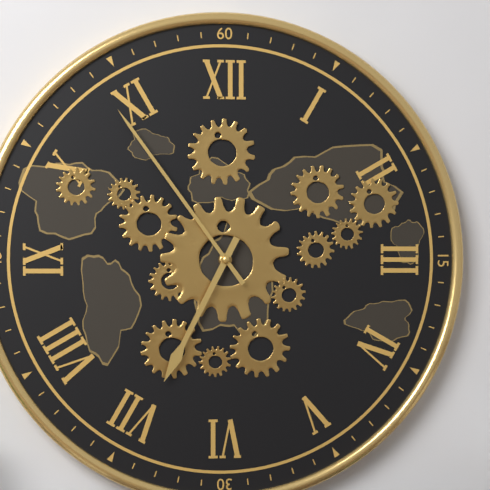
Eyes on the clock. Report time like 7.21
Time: 6.54
